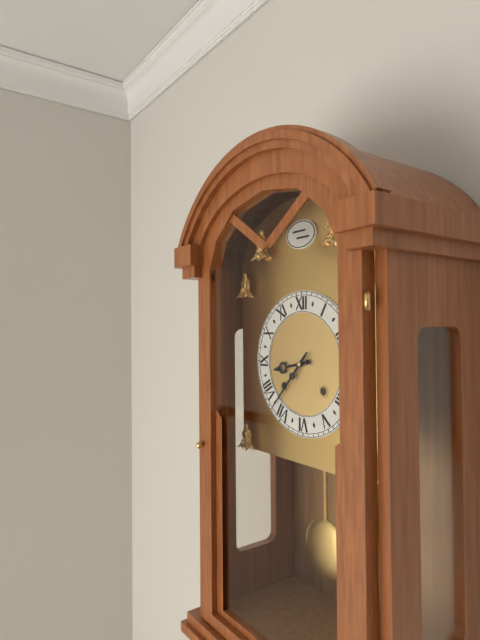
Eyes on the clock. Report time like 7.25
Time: 8.37
